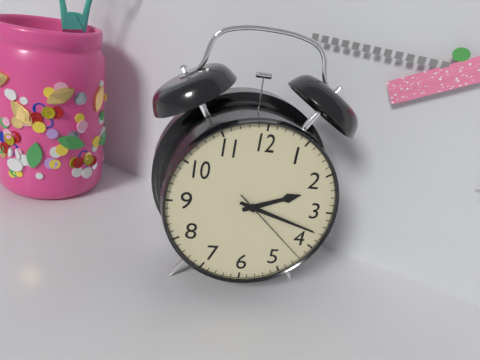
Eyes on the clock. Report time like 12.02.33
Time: 2.18.22
